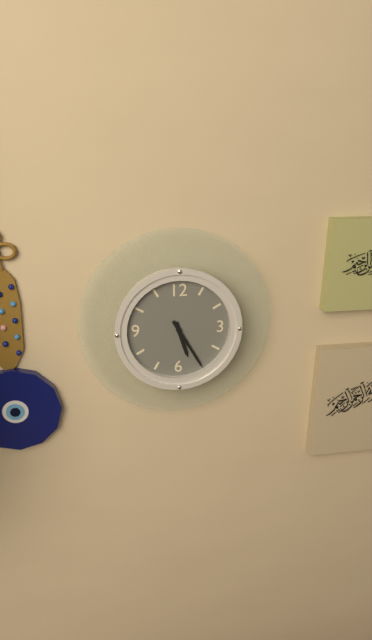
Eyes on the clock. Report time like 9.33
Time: 5.25
